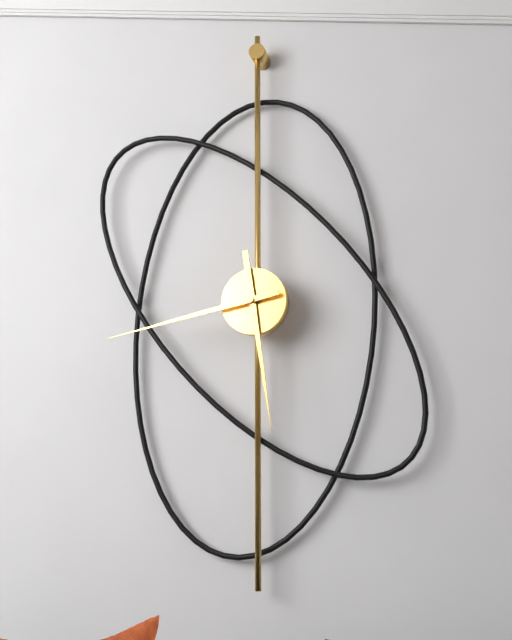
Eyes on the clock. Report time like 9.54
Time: 5.43
